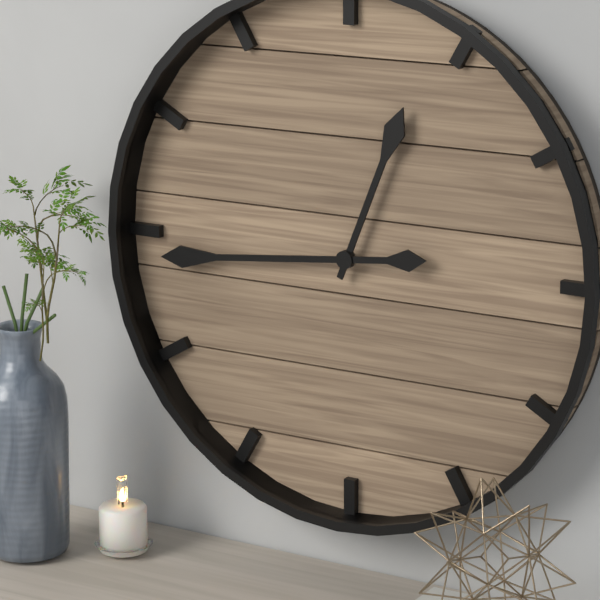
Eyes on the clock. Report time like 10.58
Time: 12.44
